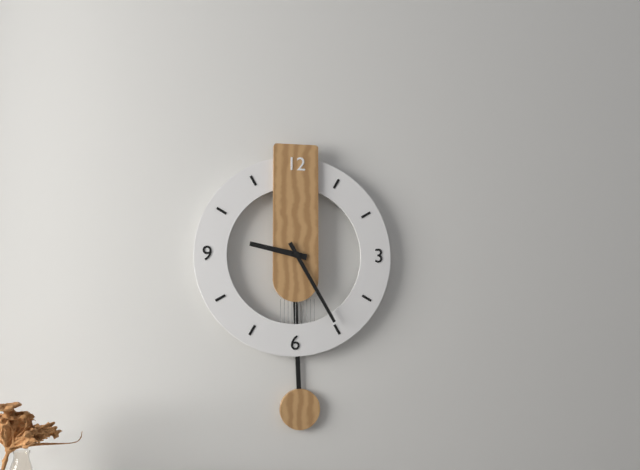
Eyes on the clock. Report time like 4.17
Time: 9.25
